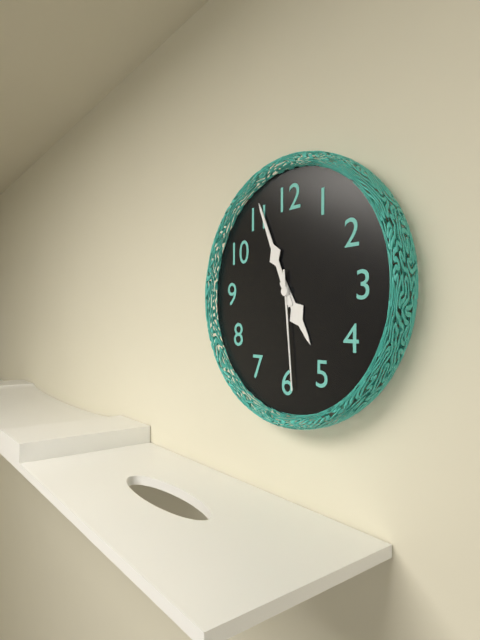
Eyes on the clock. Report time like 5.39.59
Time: 4.56.29
